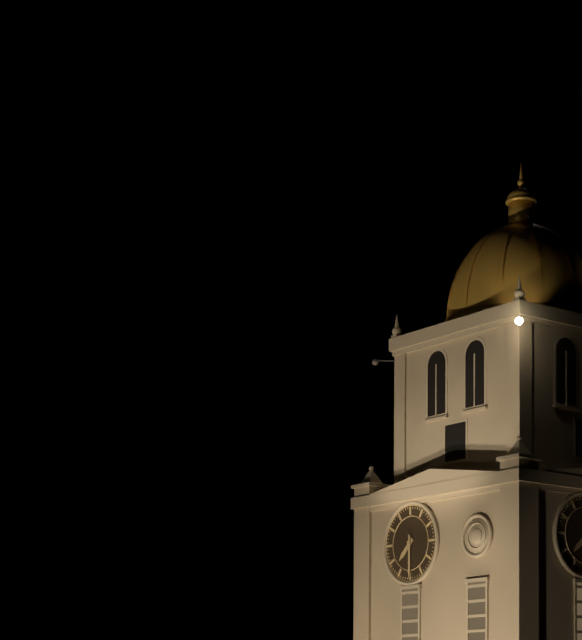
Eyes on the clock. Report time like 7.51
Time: 7.30
